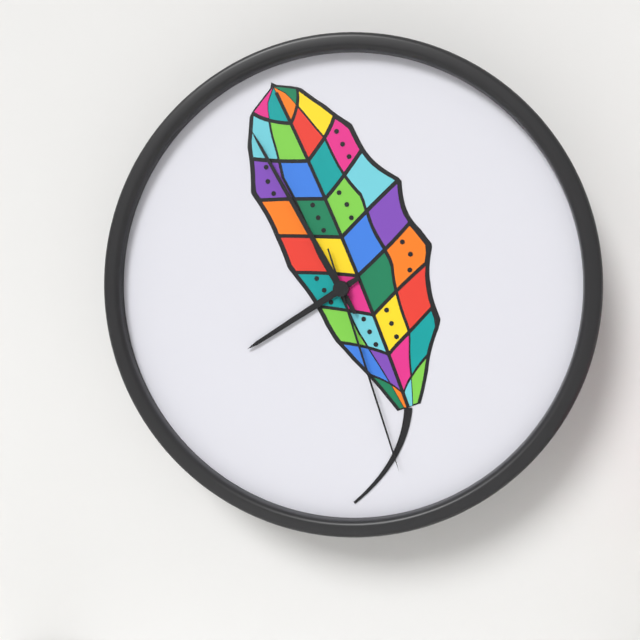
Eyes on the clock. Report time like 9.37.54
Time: 7.55.27
